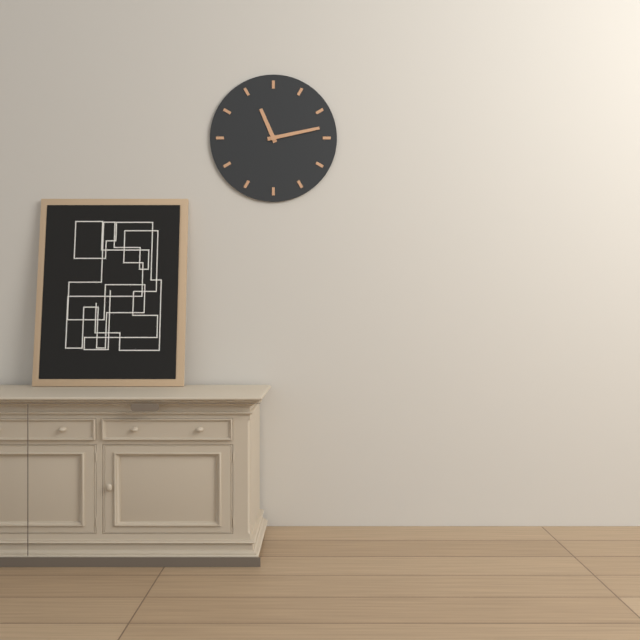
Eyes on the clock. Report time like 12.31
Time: 11.13
